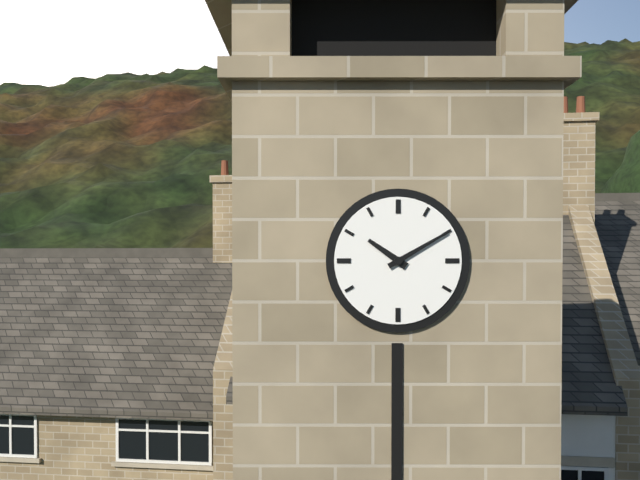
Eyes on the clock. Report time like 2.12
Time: 10.10
